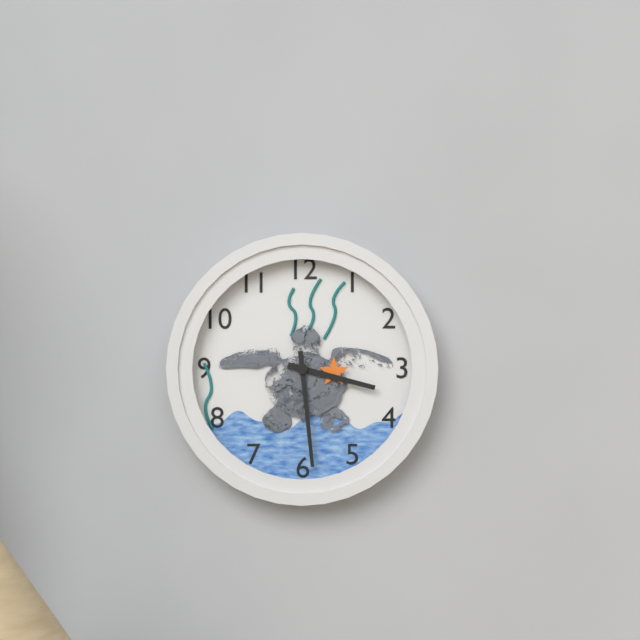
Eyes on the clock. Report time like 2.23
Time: 3.29
